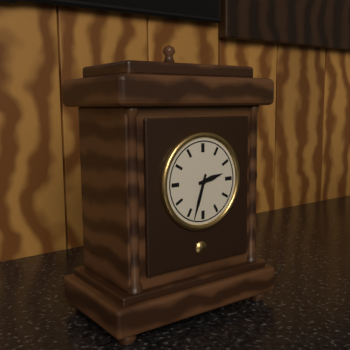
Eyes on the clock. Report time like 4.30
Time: 2.33
